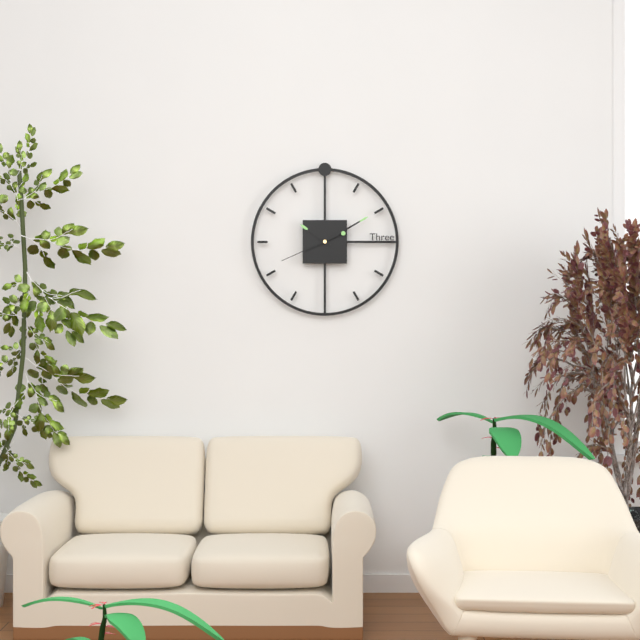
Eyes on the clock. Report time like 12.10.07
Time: 10.10.41
